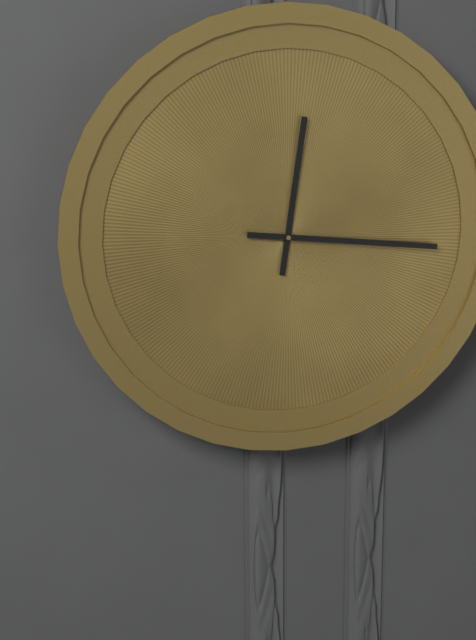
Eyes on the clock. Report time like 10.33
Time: 12.16
